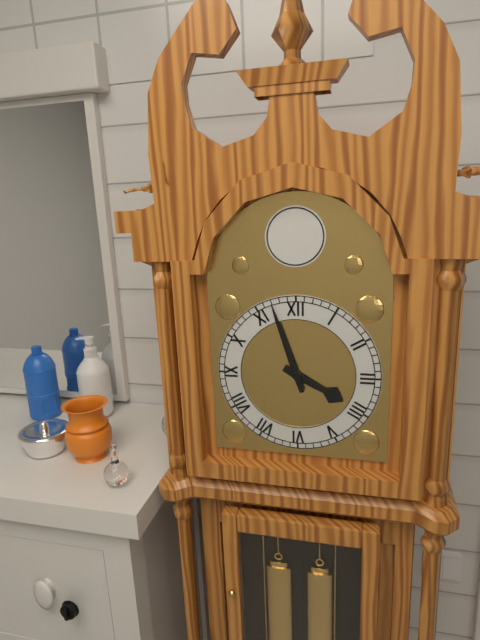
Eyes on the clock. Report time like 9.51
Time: 3.57
